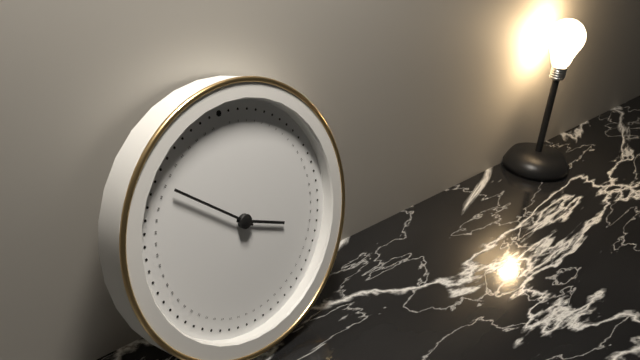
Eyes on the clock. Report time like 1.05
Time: 3.52
